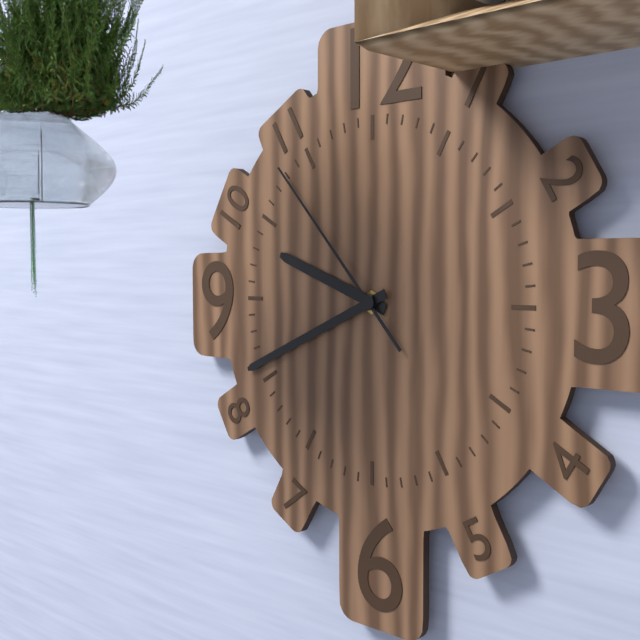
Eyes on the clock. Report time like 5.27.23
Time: 9.41.53
